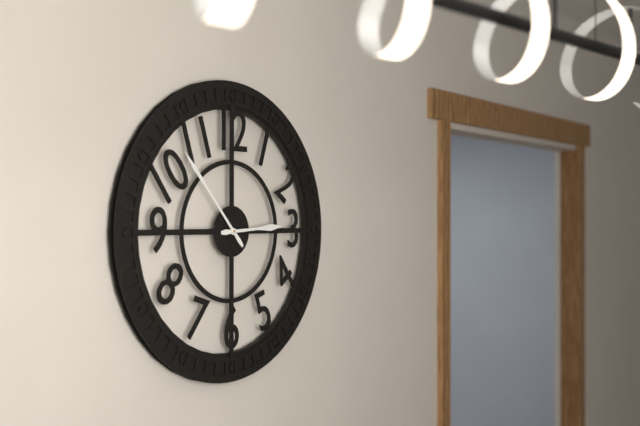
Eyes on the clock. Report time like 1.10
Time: 2.53
